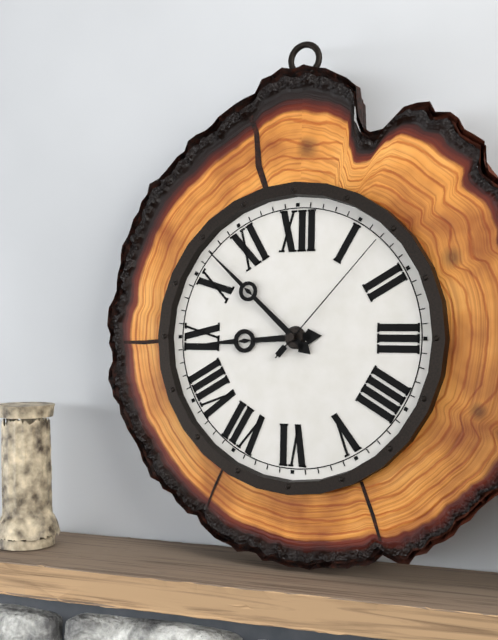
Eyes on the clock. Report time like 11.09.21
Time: 8.52.07
